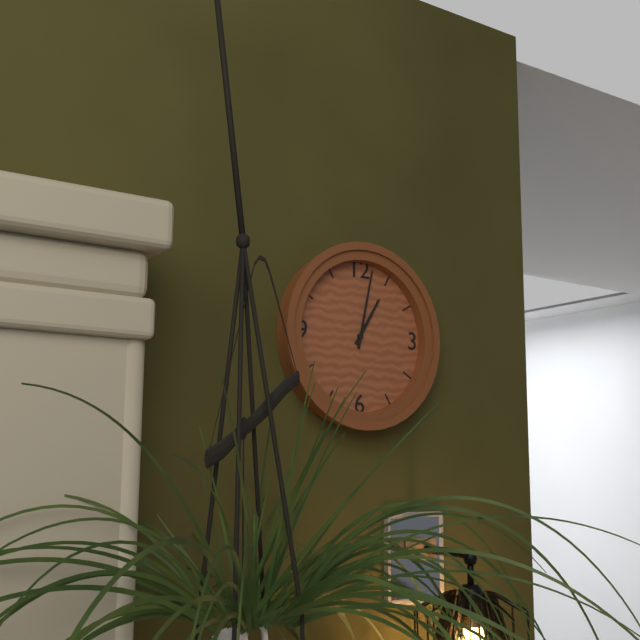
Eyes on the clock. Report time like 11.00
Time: 1.02
